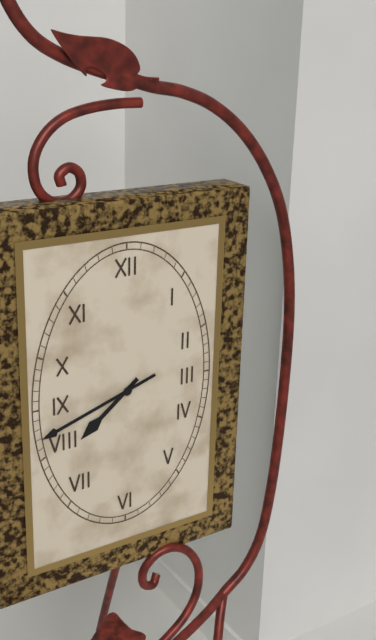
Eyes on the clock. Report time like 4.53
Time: 7.42
